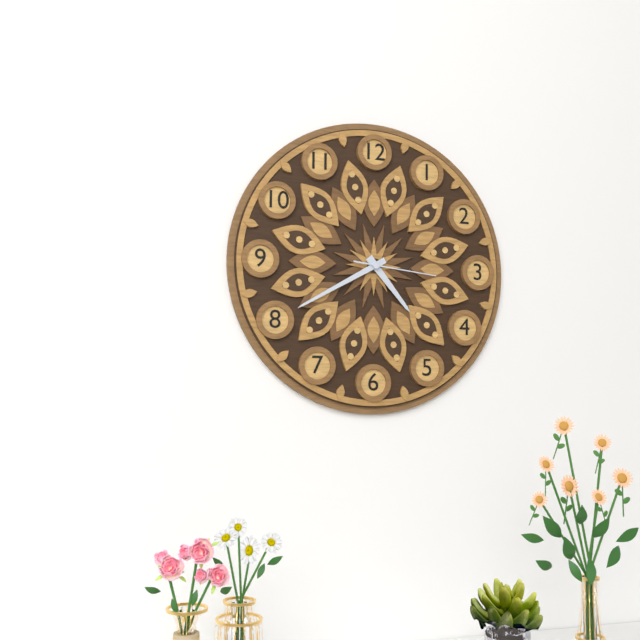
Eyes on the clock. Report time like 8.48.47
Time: 4.40.16
